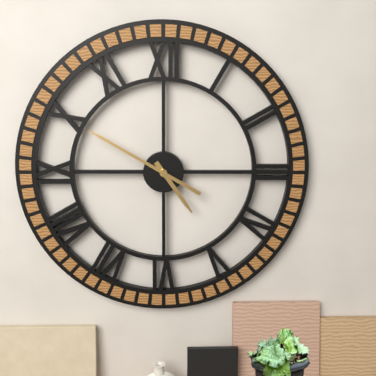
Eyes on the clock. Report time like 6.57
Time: 4.50
